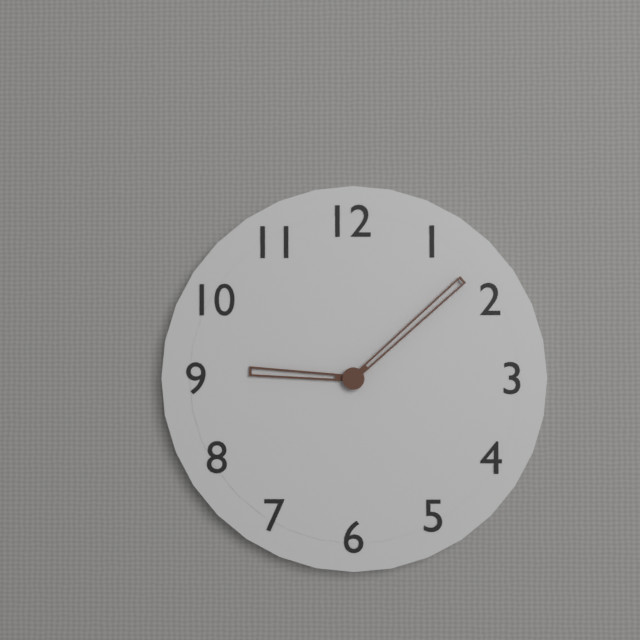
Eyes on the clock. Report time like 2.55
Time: 9.08
